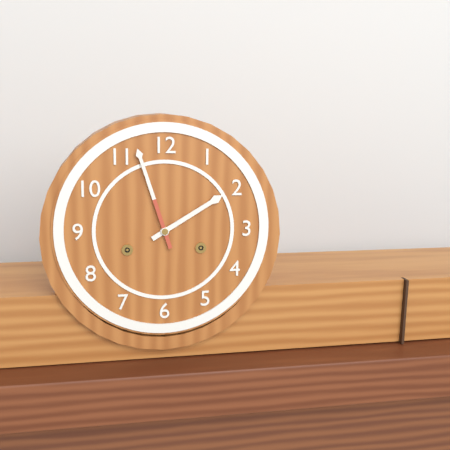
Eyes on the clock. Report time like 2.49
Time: 1.57
